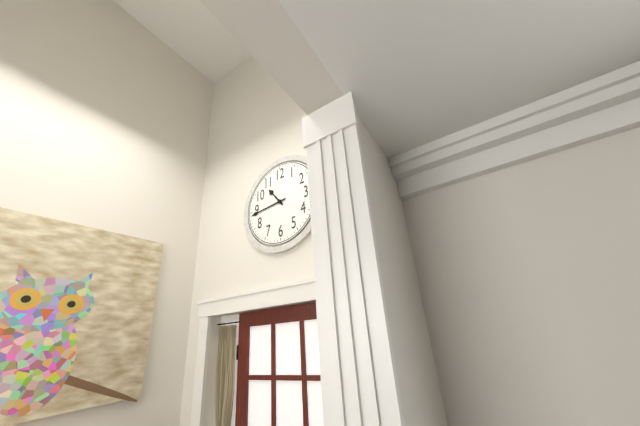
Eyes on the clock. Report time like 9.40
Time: 10.44
